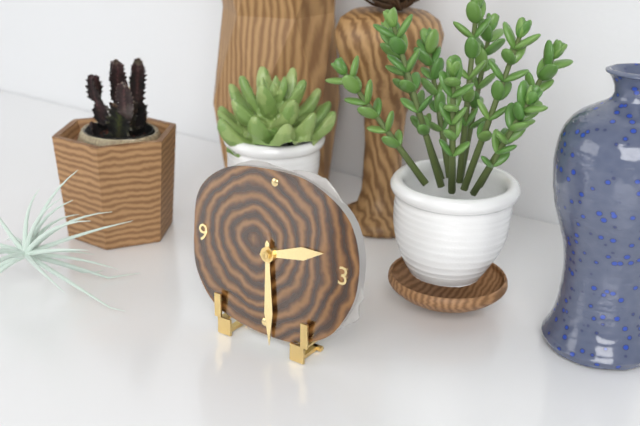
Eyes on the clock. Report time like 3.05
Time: 2.29
